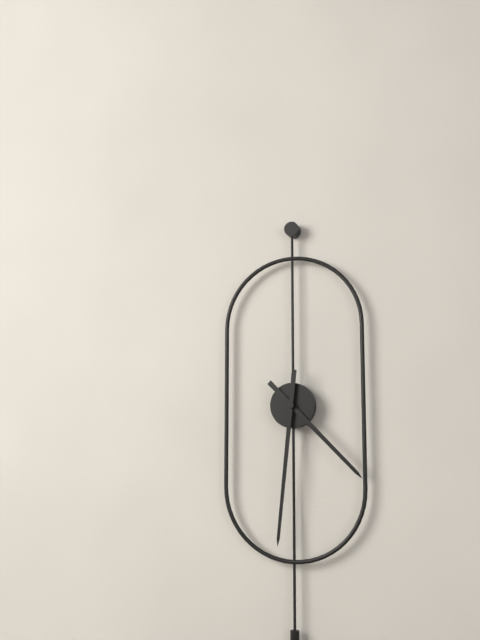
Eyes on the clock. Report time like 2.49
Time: 4.31
